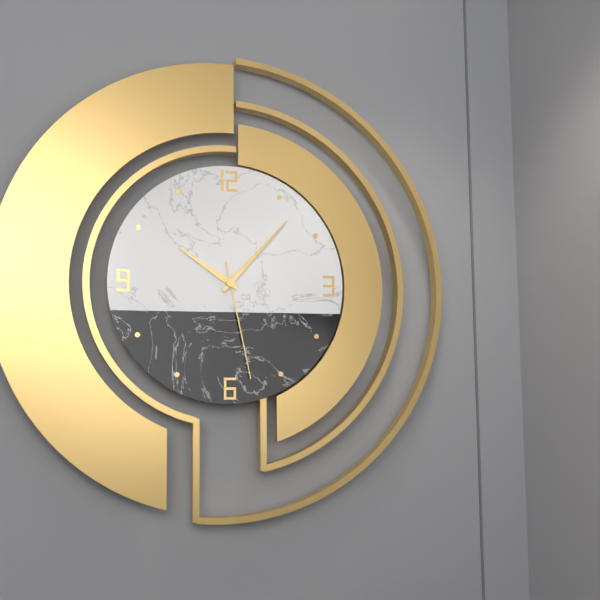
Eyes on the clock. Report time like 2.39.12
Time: 10.07.28
